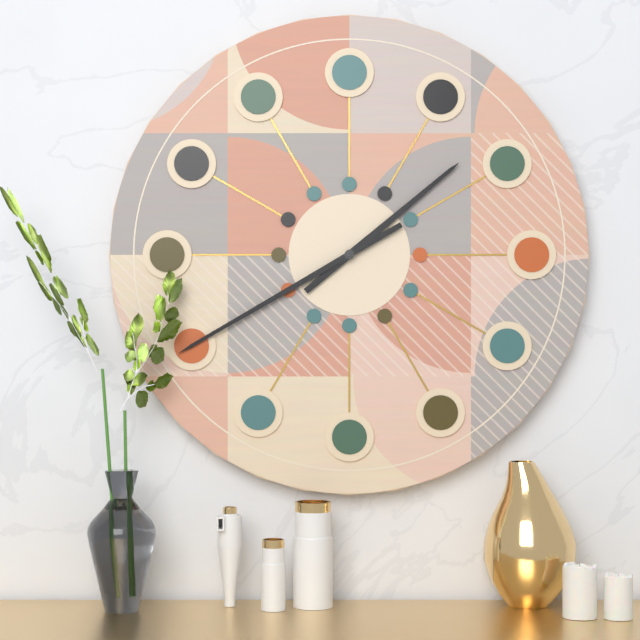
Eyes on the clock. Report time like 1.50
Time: 1.40
